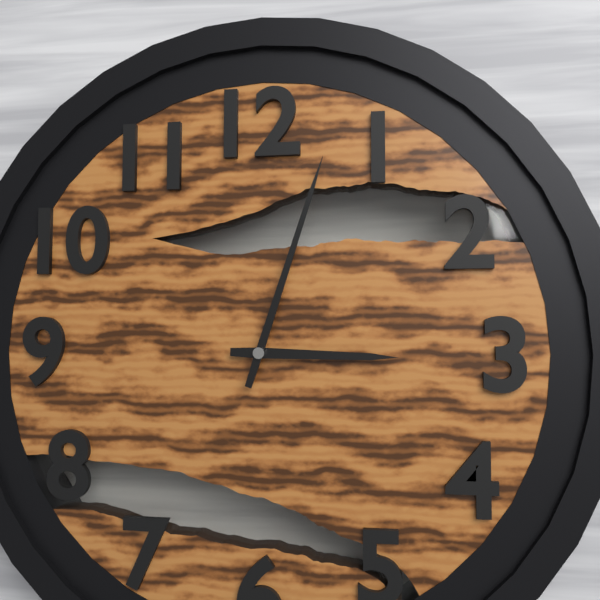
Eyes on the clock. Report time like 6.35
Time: 3.03
